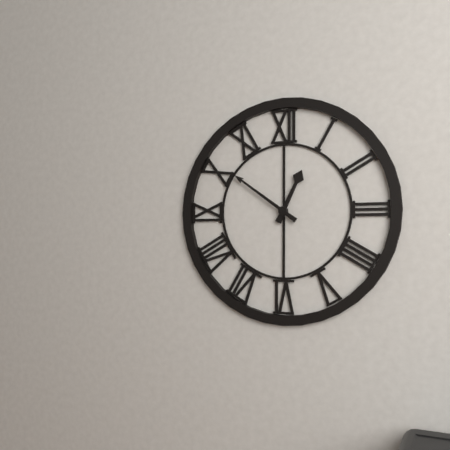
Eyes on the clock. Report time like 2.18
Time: 12.51
